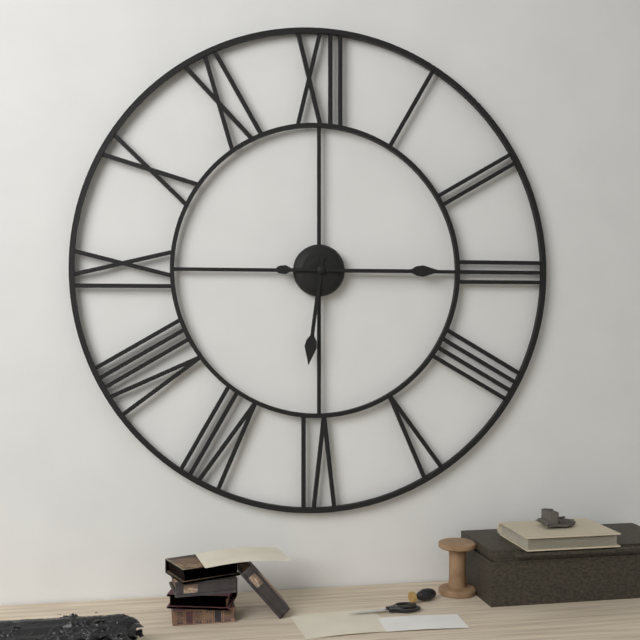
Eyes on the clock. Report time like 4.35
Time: 6.15
